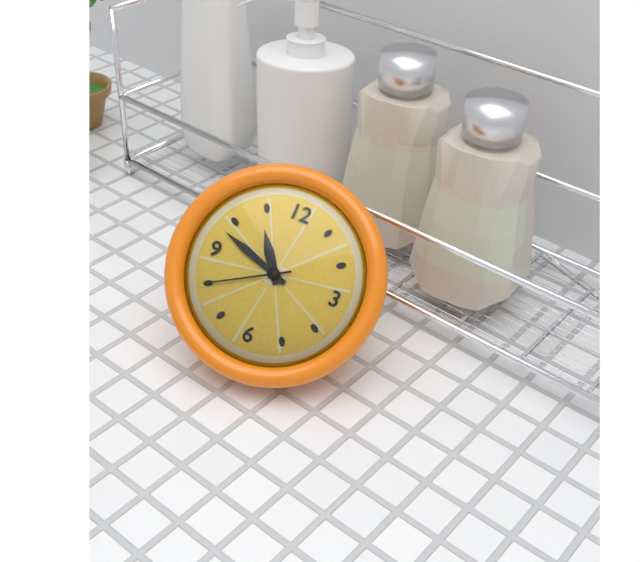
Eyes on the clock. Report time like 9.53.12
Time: 10.48.40
